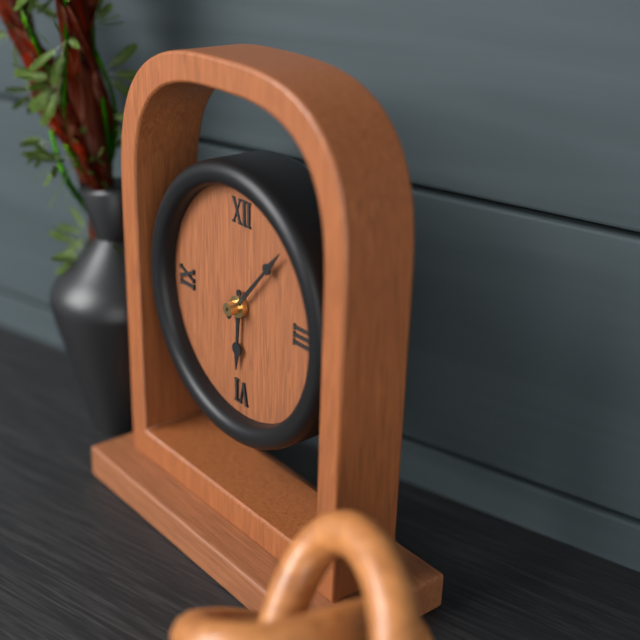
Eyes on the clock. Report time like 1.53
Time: 6.07
